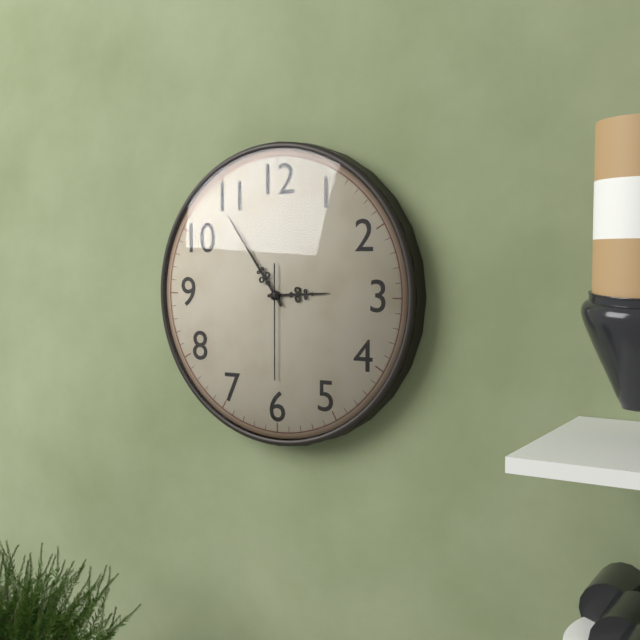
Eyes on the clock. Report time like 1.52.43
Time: 2.54.30
